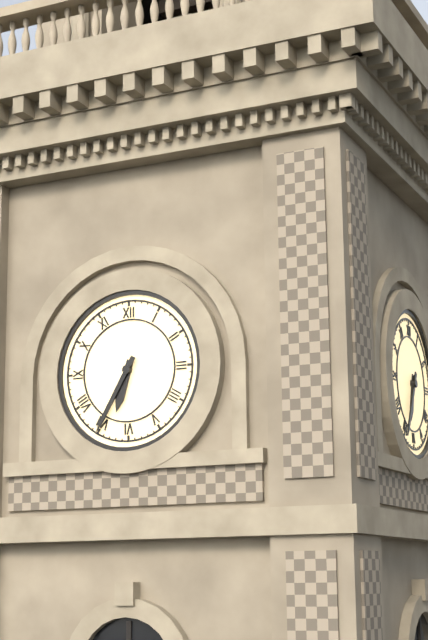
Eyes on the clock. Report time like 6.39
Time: 6.35
